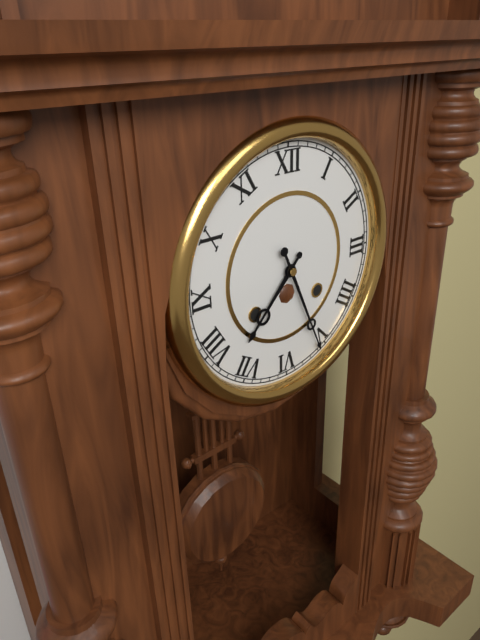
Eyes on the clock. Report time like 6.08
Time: 7.26
